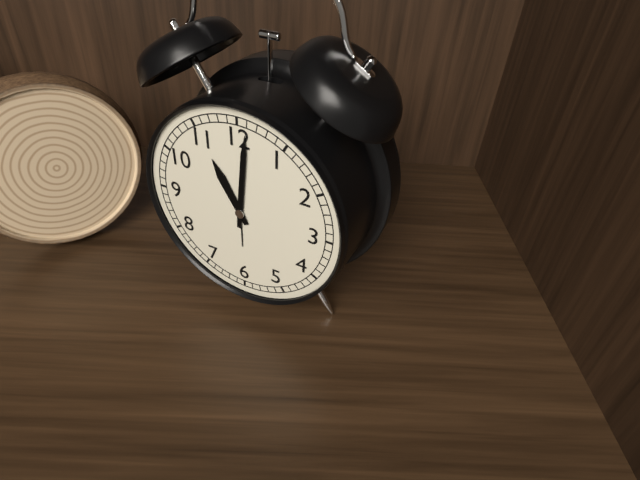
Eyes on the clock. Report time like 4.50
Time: 11.01
